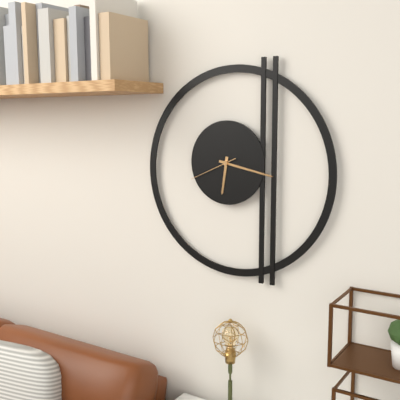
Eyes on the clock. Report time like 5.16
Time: 6.17
